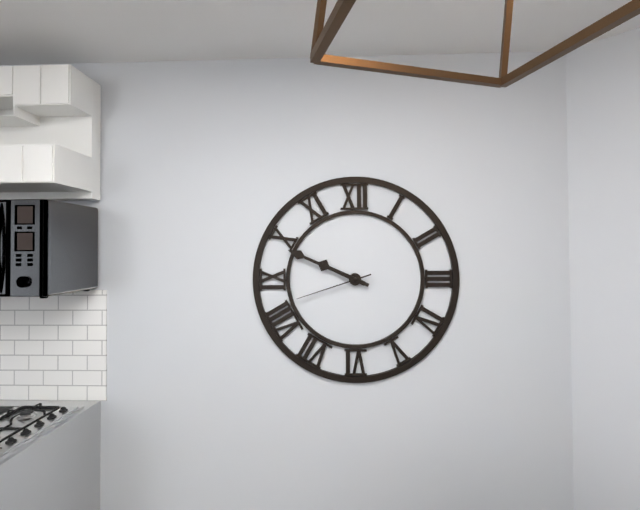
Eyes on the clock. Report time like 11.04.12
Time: 9.49.42
